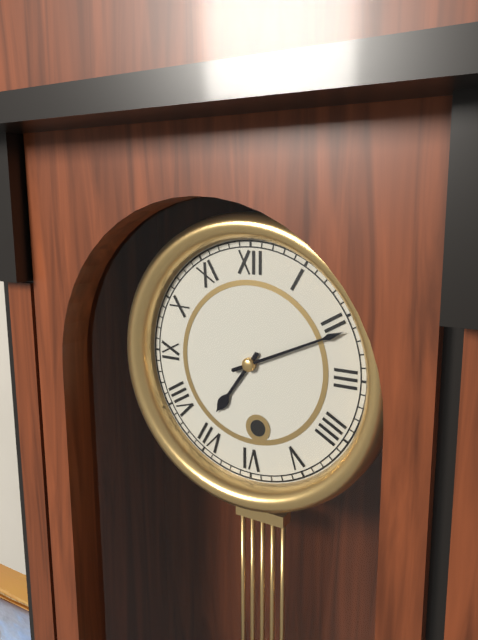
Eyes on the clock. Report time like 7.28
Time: 7.11
